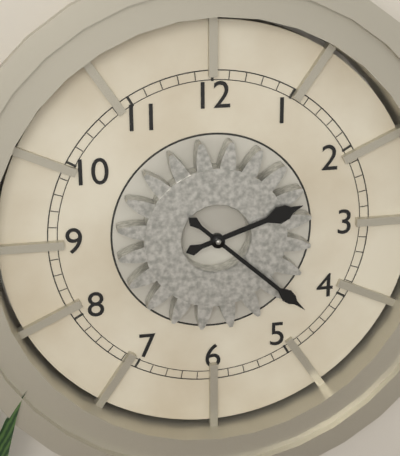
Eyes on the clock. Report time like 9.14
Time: 2.22
